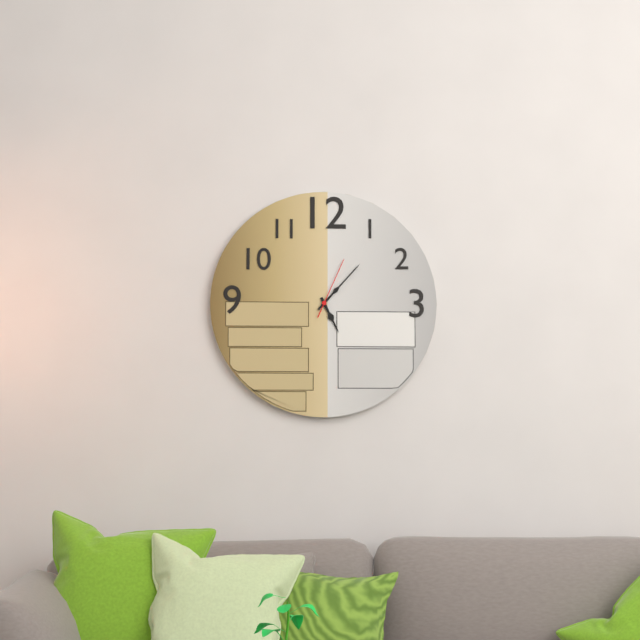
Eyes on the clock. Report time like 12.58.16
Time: 5.07.04
